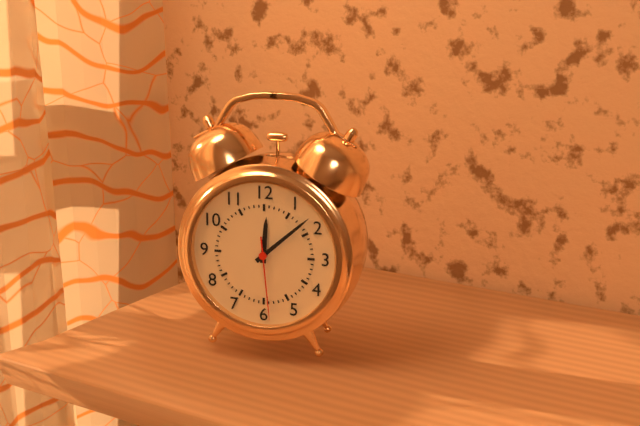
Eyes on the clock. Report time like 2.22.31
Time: 12.08.29
